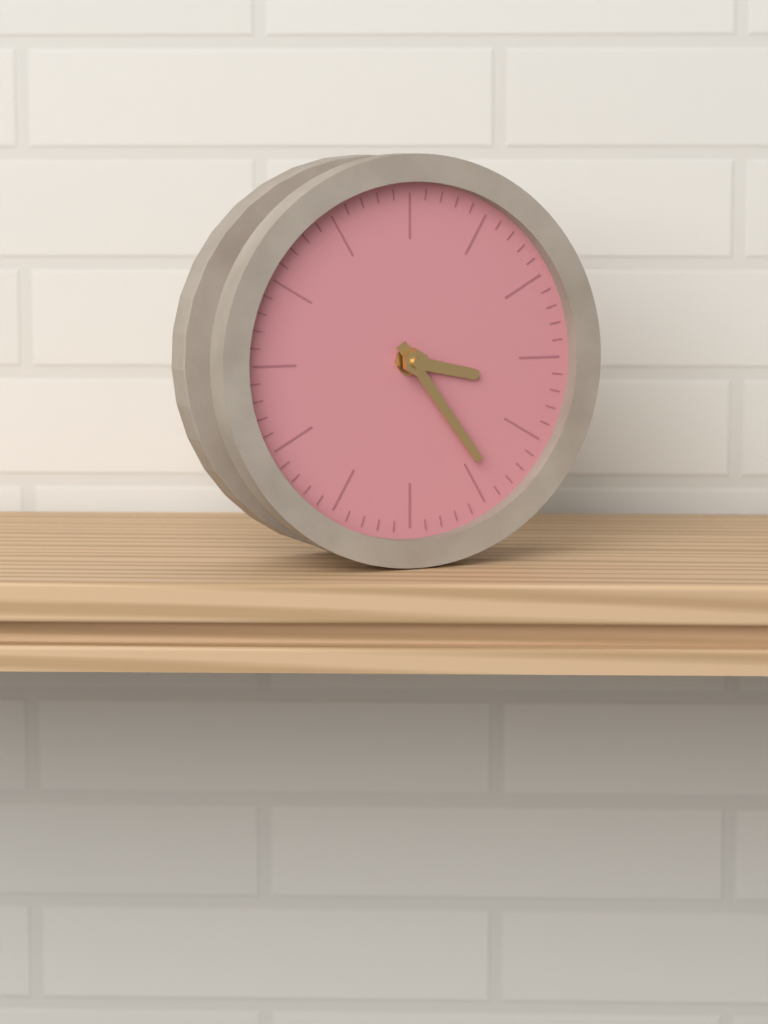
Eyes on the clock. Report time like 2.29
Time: 3.24
